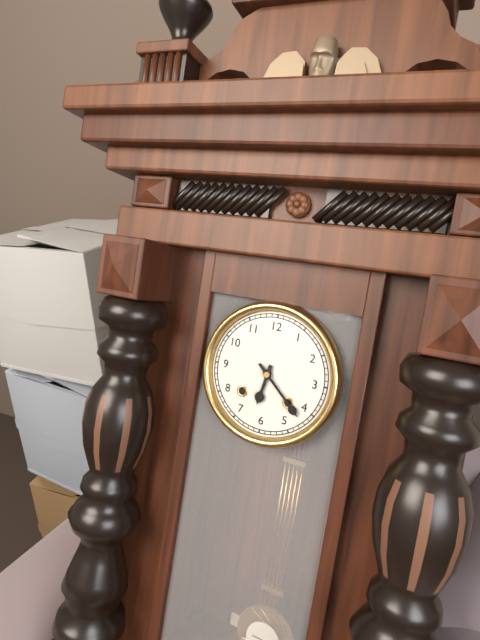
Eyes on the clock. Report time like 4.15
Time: 6.22
